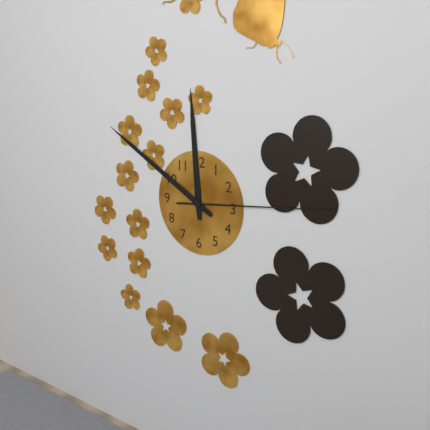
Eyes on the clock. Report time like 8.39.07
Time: 11.50.14
